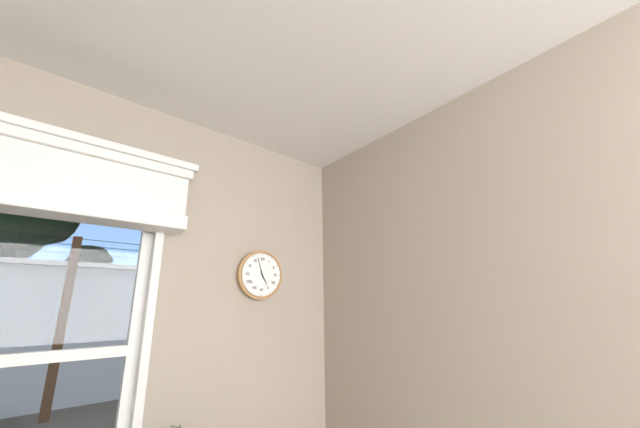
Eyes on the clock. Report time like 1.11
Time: 4.57
